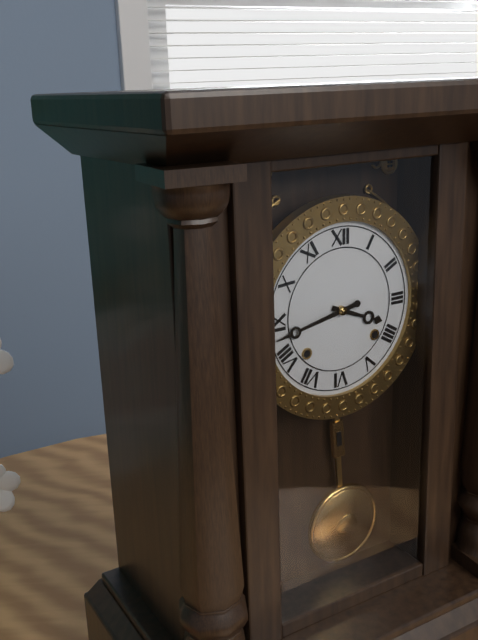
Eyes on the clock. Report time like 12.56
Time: 3.43
